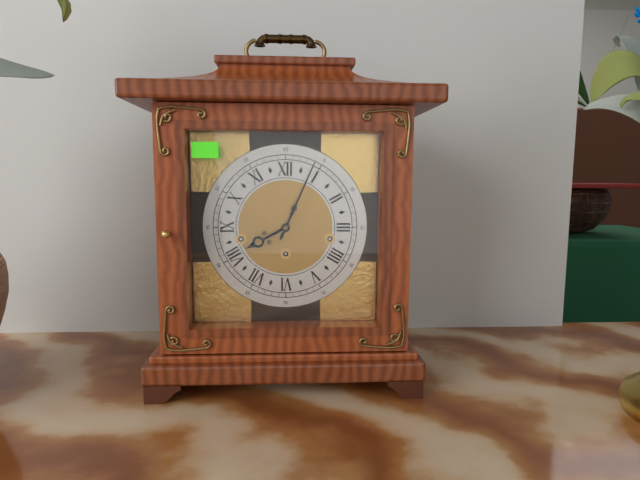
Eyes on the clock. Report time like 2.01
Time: 8.04
